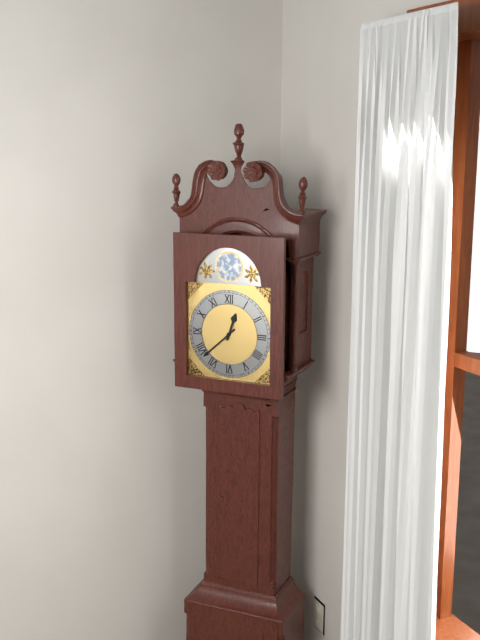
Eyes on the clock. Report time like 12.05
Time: 12.38
